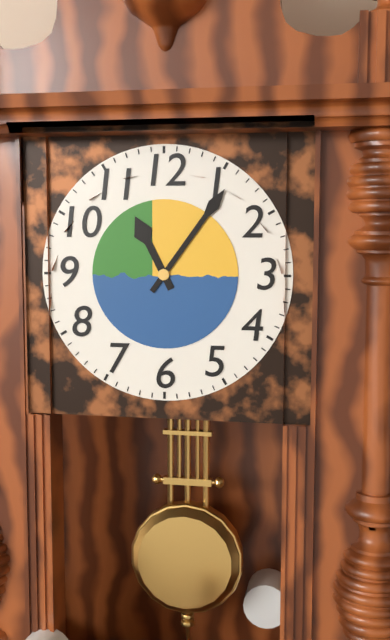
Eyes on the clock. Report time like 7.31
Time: 11.06
